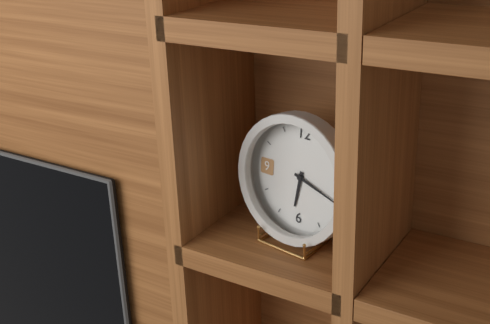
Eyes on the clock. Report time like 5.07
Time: 6.18
